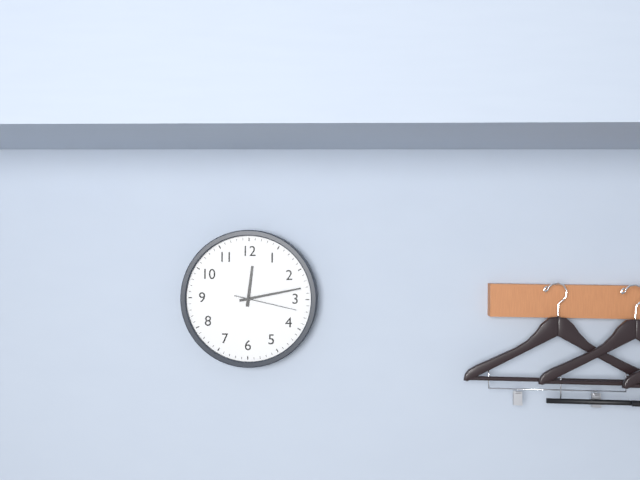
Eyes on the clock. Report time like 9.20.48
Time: 12.13.17
